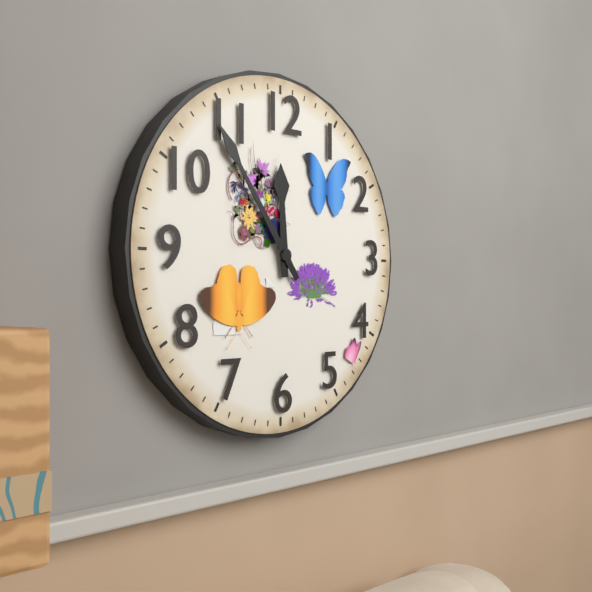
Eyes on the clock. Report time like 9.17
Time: 11.54
